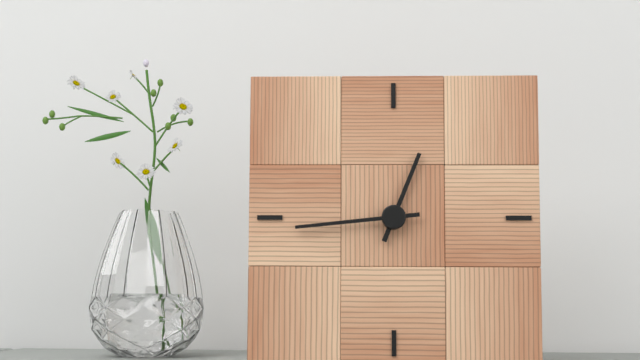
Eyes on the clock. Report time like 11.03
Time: 12.44
